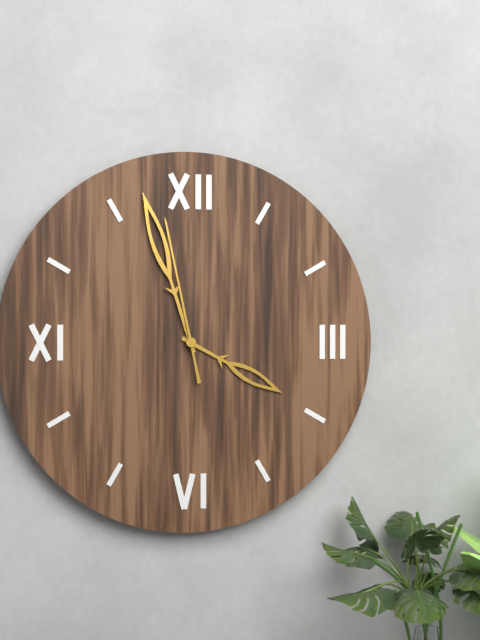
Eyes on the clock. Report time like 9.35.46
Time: 3.57.58
